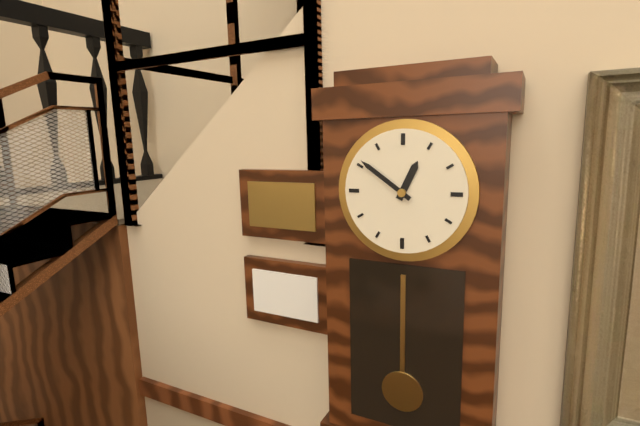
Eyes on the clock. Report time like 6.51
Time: 12.51
